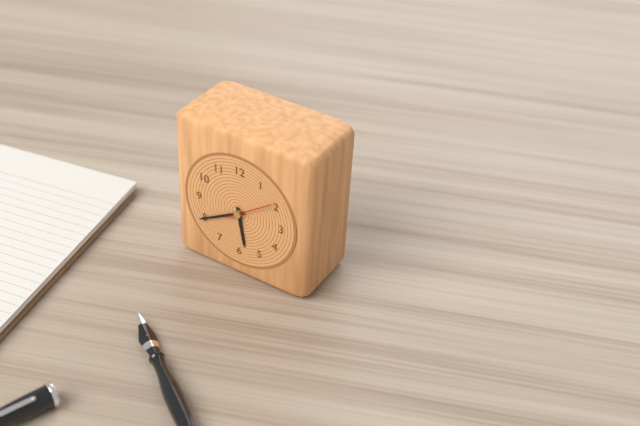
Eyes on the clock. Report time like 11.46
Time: 5.40
